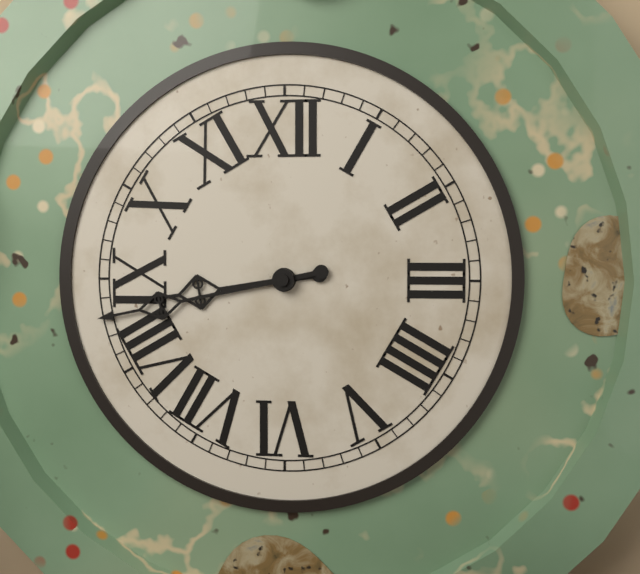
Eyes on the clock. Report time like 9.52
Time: 8.43
